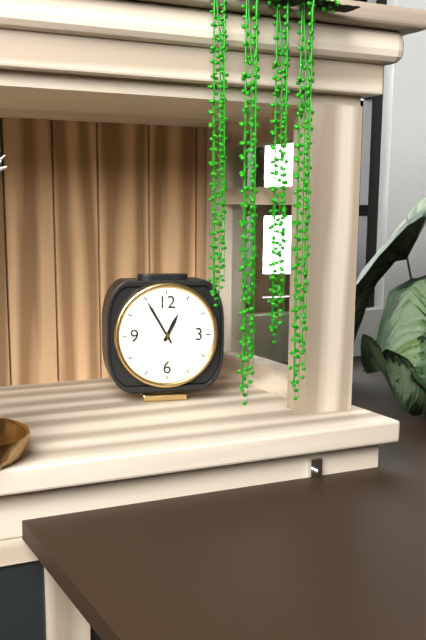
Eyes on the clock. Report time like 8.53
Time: 12.55
